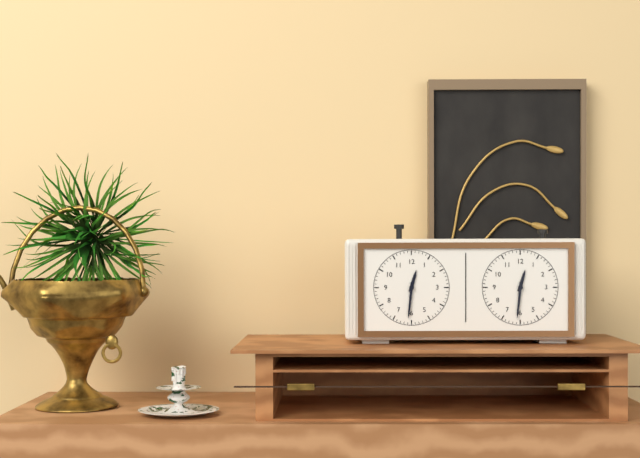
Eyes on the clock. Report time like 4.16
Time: 12.31
